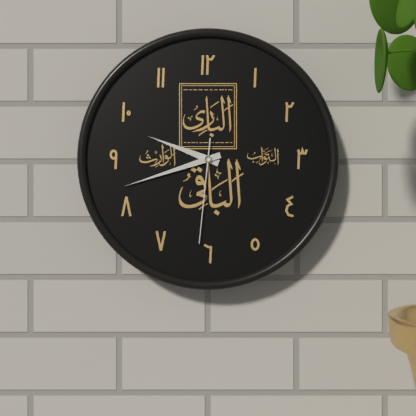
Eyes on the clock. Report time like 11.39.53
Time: 9.42.31
